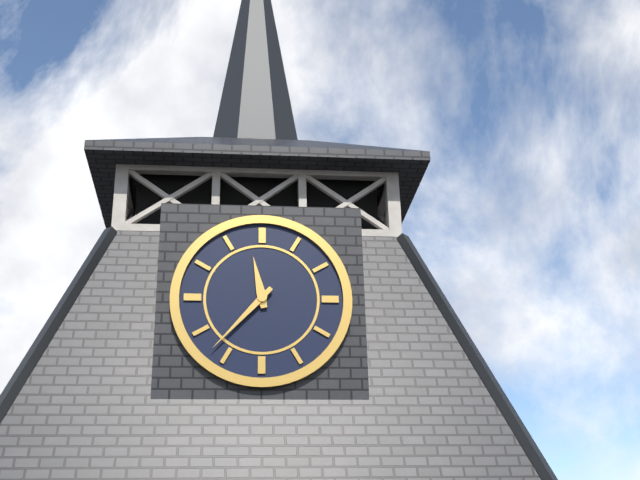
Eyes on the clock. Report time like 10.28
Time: 11.37
